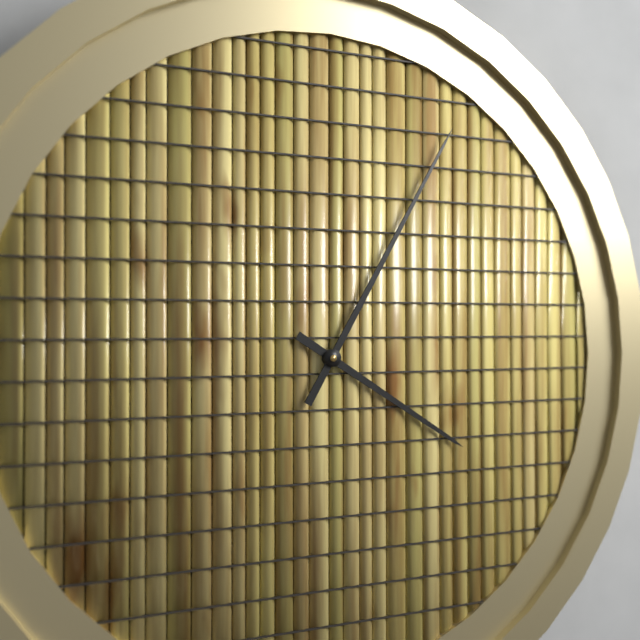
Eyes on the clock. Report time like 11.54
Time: 4.05
